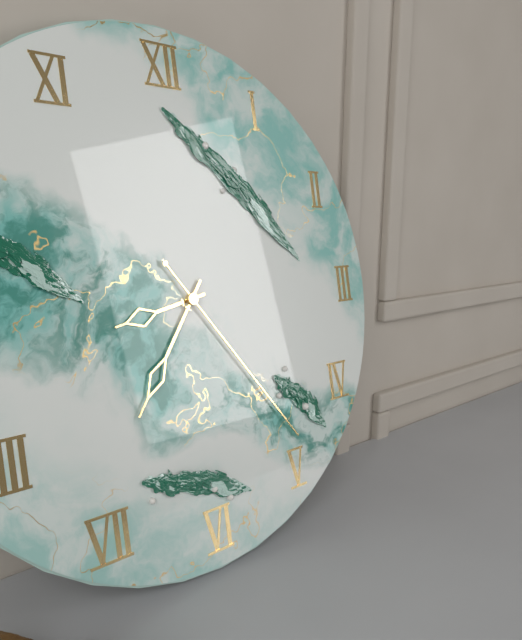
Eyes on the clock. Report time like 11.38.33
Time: 8.36.24
